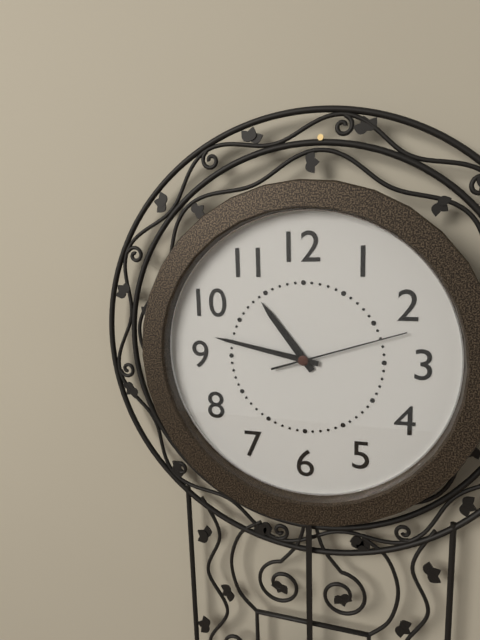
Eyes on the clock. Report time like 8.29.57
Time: 10.47.12
